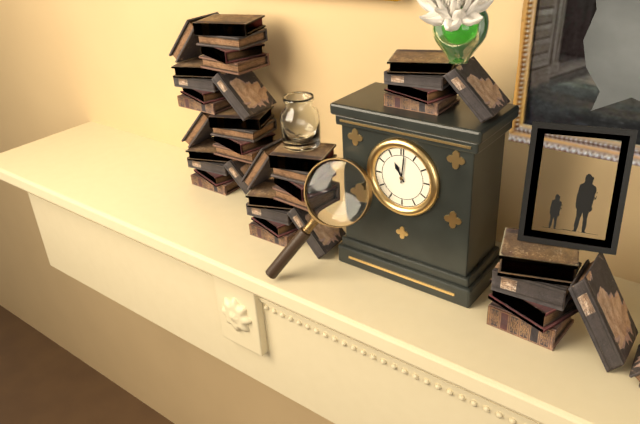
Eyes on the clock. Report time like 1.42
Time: 11.01
